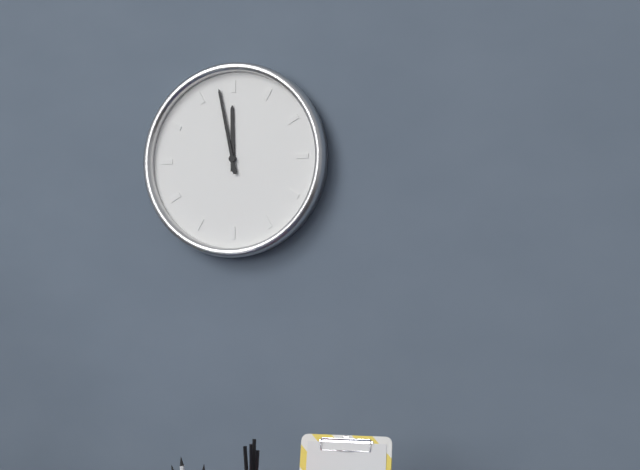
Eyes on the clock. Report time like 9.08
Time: 11.58
